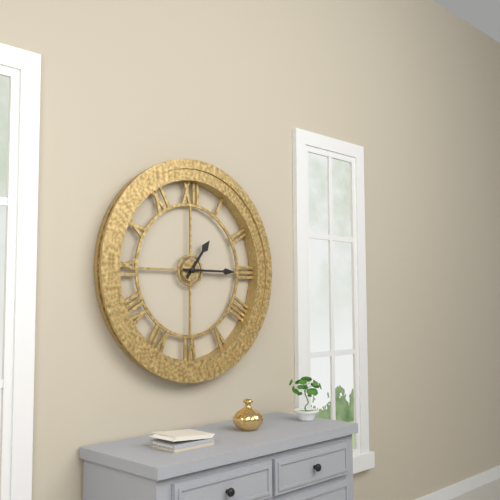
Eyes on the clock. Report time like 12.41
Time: 1.15
